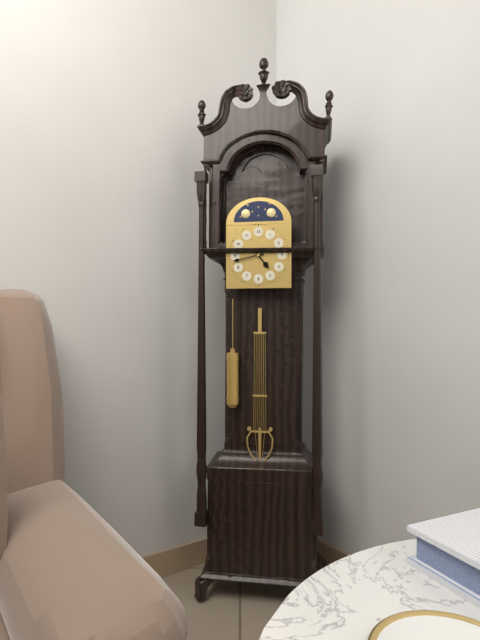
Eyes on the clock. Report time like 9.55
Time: 4.43
